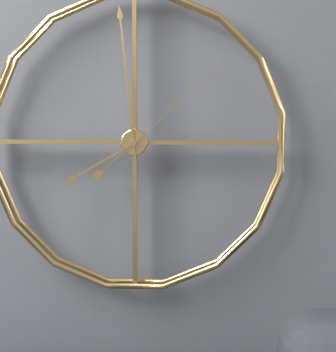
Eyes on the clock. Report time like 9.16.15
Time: 7.59.08
